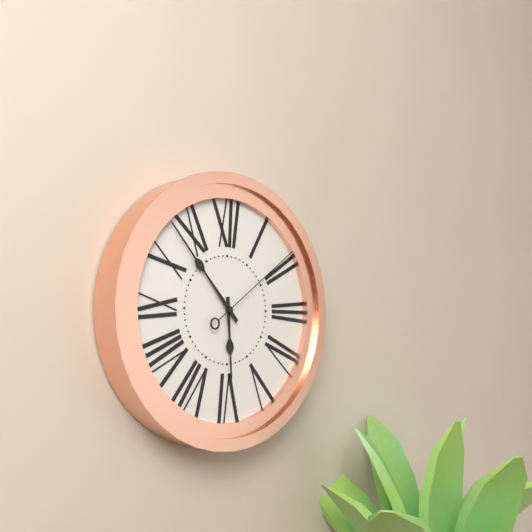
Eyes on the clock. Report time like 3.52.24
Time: 5.53.09
